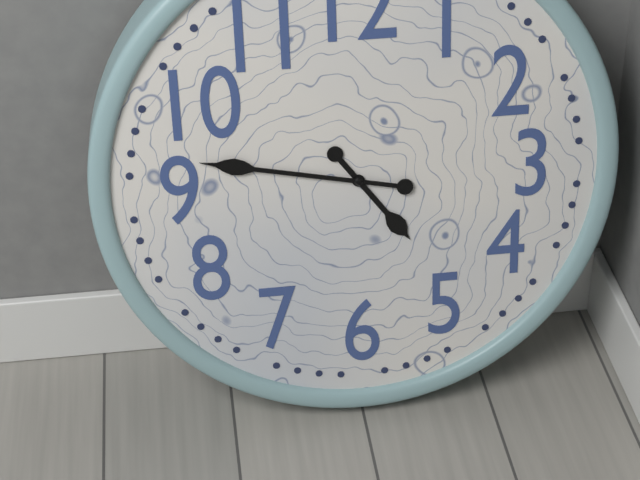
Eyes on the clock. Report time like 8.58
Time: 4.47
